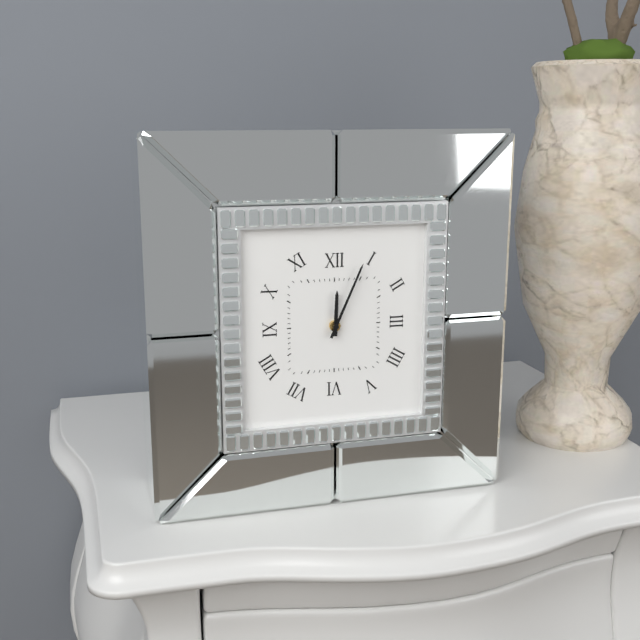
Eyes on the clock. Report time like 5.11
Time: 12.04
